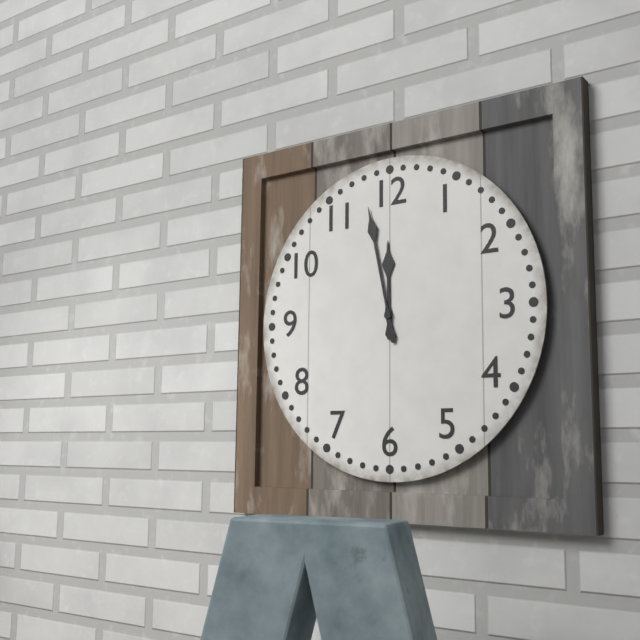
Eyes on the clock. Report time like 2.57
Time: 11.58
